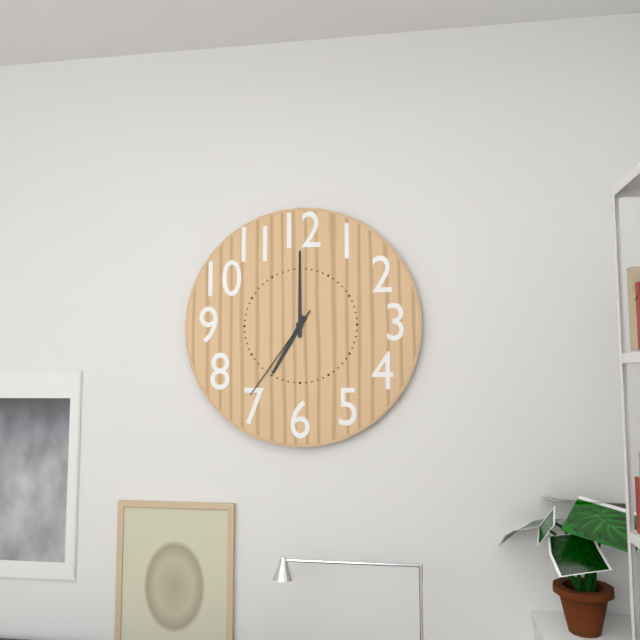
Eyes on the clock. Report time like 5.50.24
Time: 7.00.36
